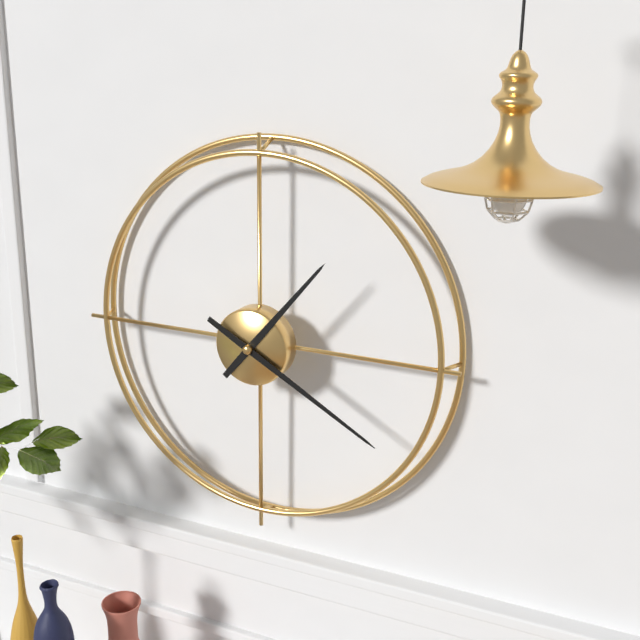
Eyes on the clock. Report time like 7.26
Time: 1.20
